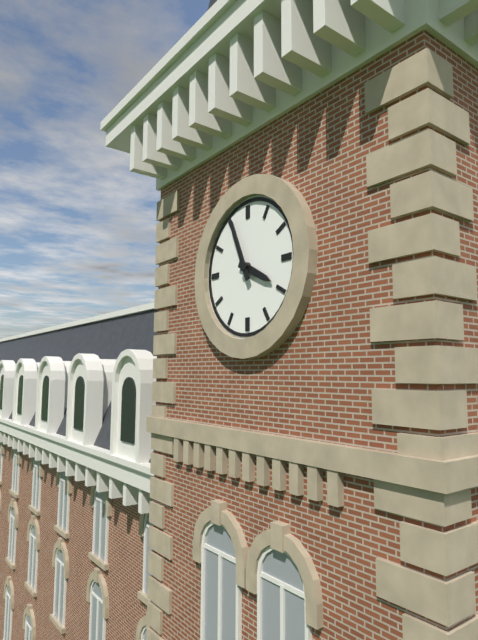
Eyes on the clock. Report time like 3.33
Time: 3.56
